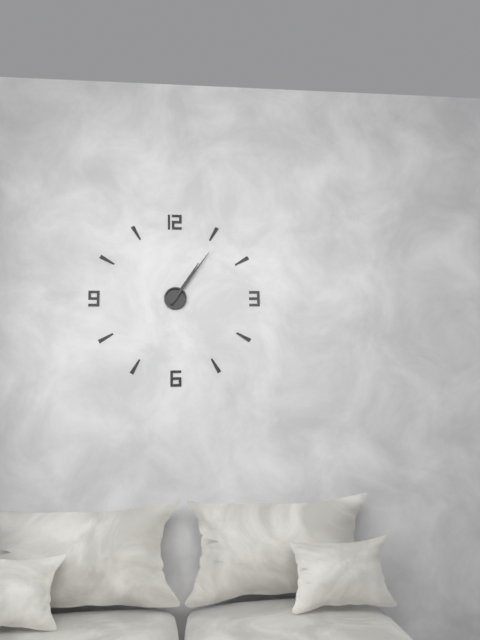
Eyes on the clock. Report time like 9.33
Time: 1.06
